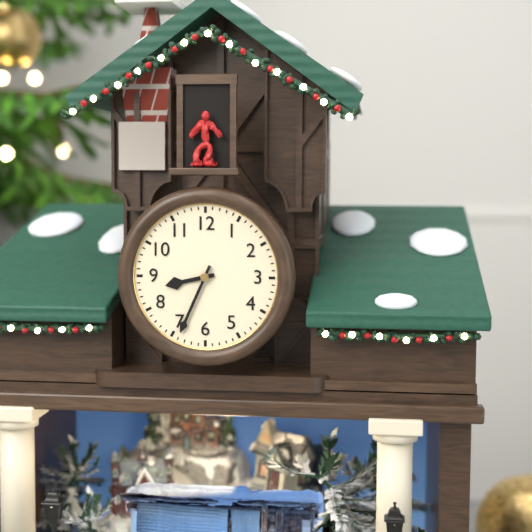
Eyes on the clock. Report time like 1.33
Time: 8.34
